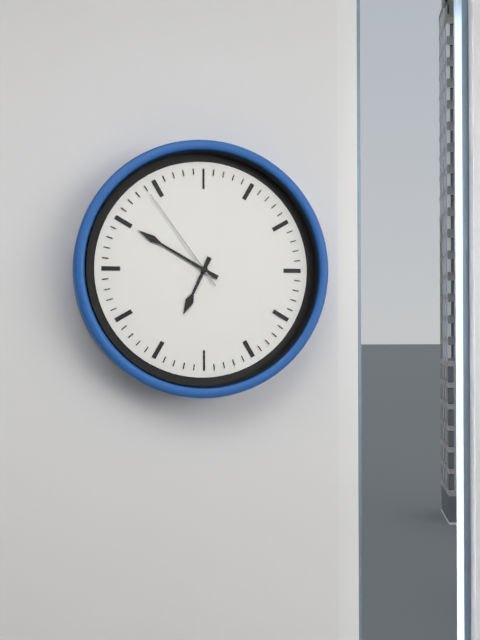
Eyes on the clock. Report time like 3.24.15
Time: 6.50.54
